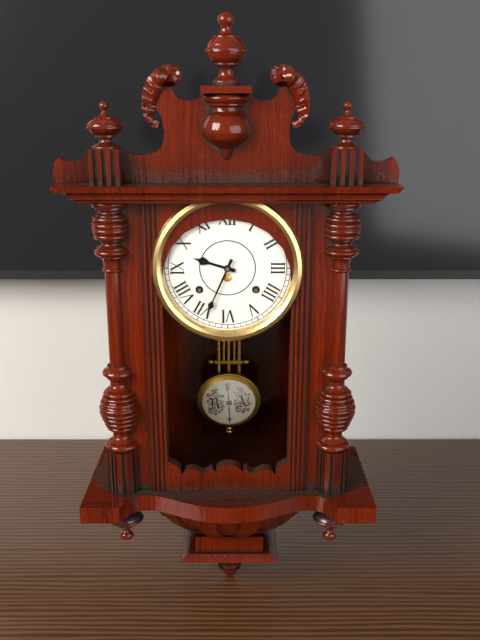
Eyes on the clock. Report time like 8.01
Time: 9.34
